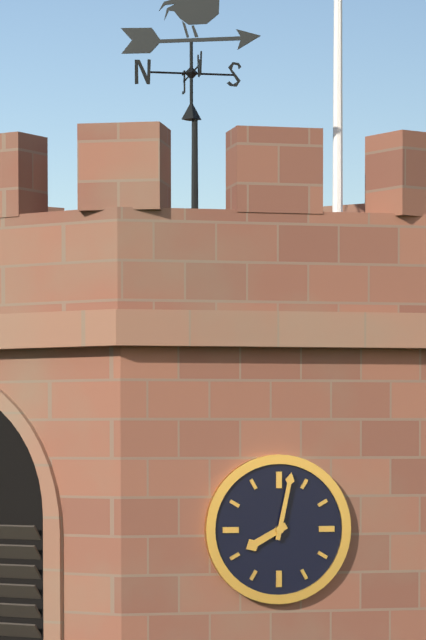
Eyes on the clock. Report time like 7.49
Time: 8.02
